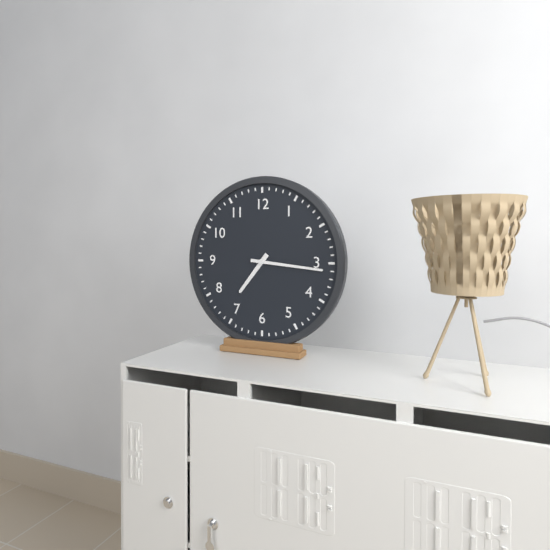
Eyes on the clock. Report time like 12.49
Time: 7.16
